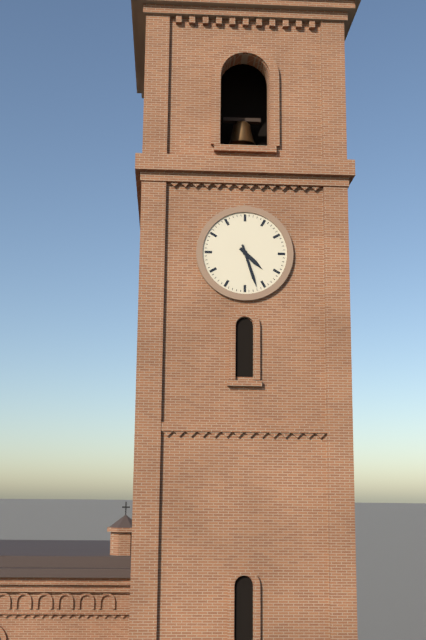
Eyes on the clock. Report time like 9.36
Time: 4.27
